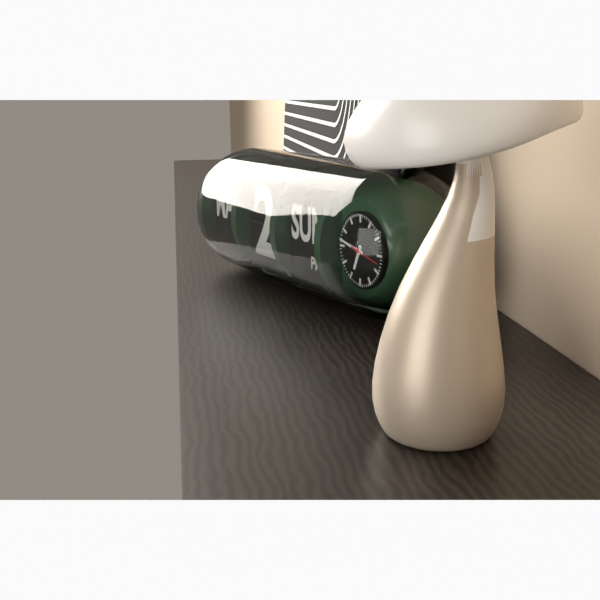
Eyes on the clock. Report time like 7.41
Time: 6.47
